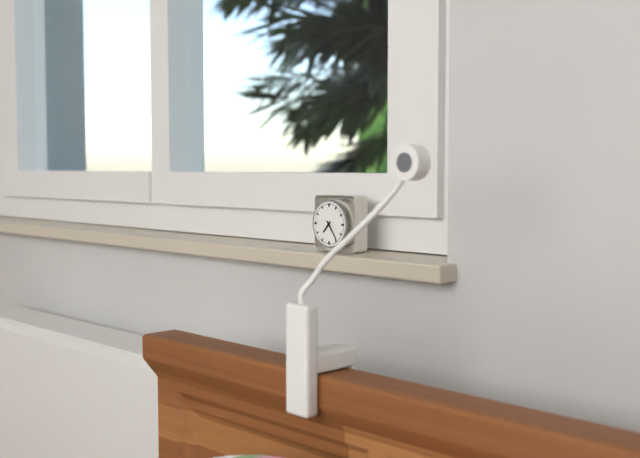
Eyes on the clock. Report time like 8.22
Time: 7.24
